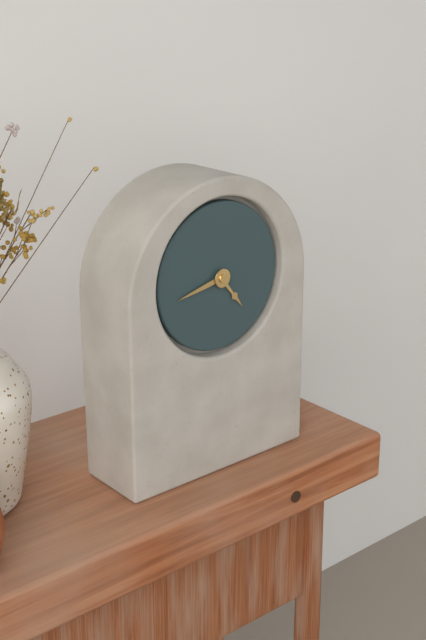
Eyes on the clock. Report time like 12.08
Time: 4.43
